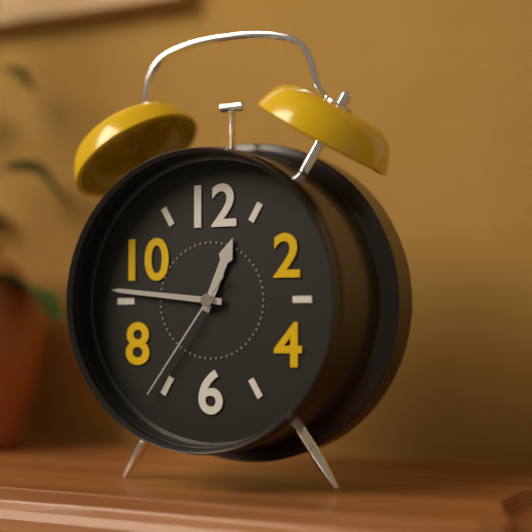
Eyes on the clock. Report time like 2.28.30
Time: 12.46.36
